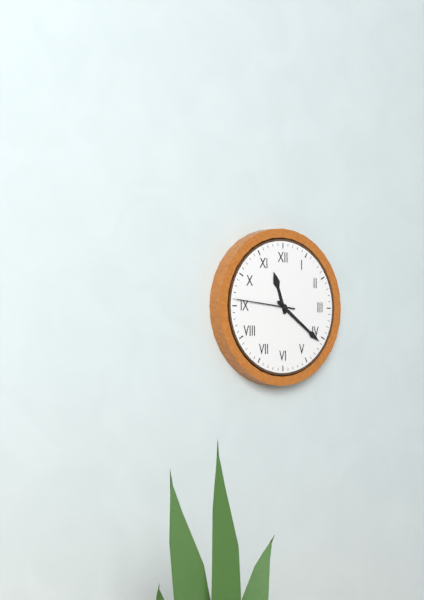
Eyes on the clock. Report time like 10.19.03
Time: 11.21.46
